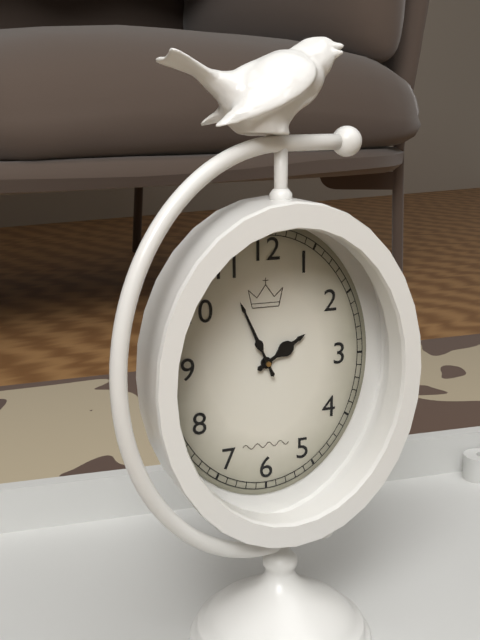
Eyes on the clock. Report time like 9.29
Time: 1.56
